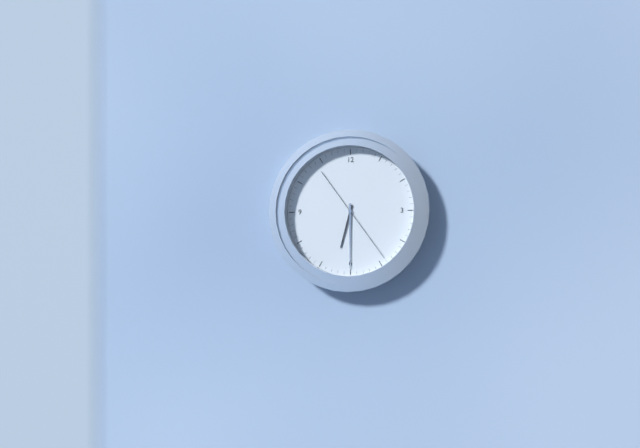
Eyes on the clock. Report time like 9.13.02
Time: 6.30.24
